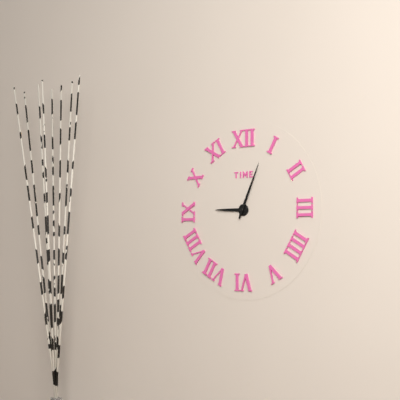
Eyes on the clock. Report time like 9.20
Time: 9.04
